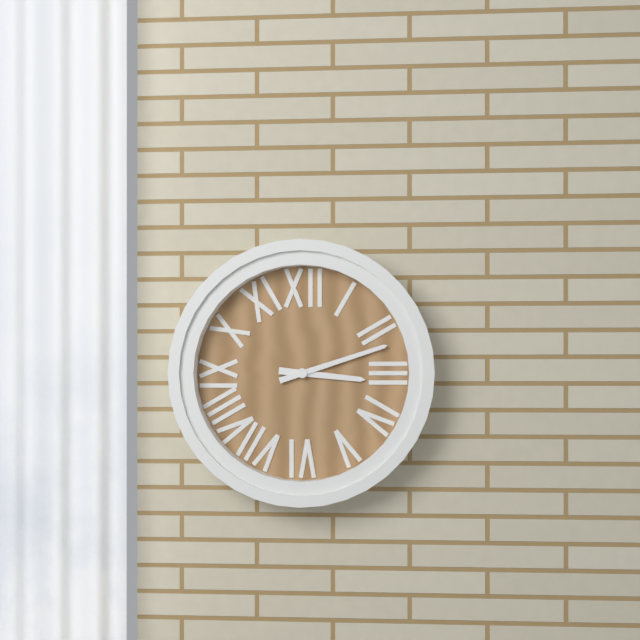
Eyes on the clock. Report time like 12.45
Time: 3.12
